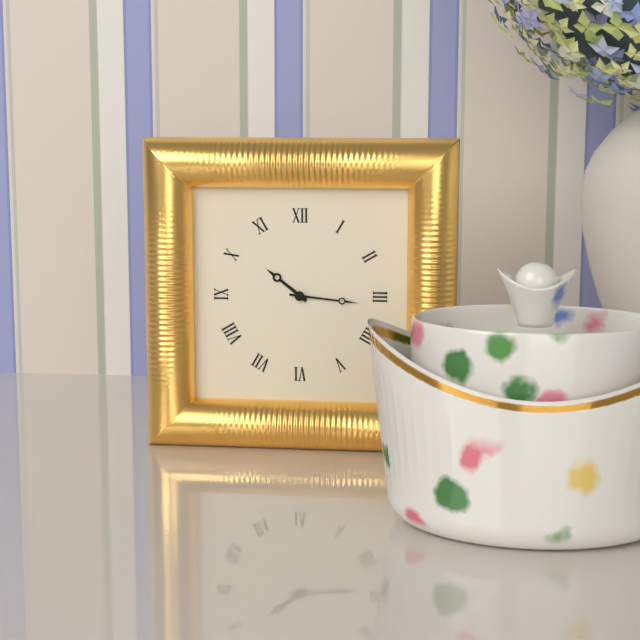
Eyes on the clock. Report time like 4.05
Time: 10.16
